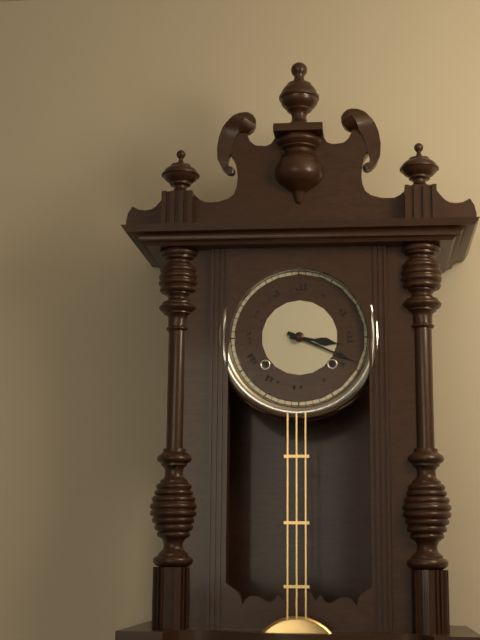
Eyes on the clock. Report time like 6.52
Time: 3.19
